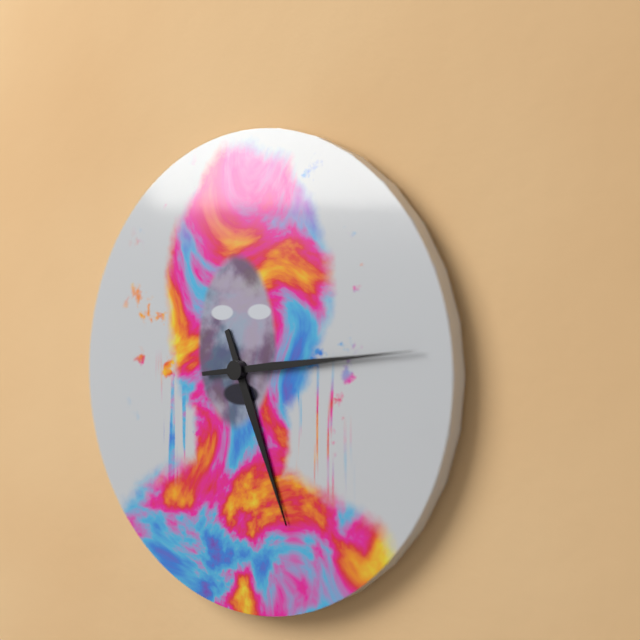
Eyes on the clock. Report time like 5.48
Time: 5.14
